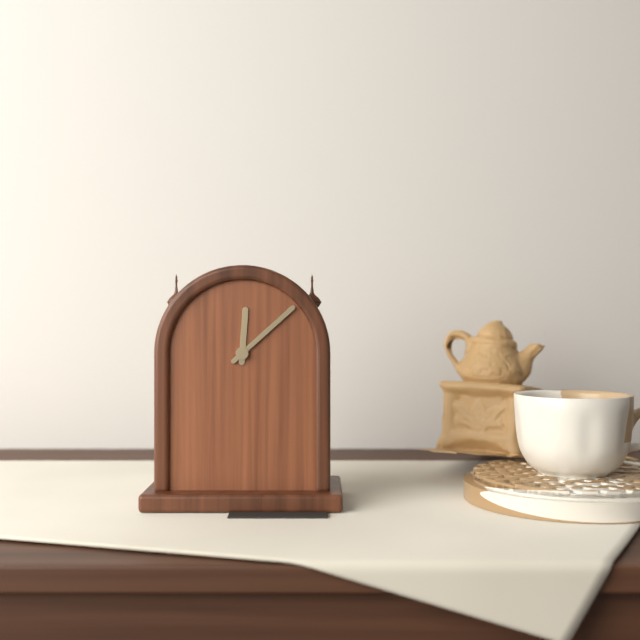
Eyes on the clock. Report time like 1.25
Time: 12.08
